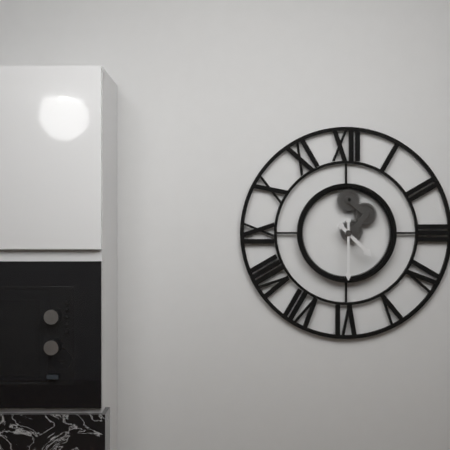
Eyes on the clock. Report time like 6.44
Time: 4.30
